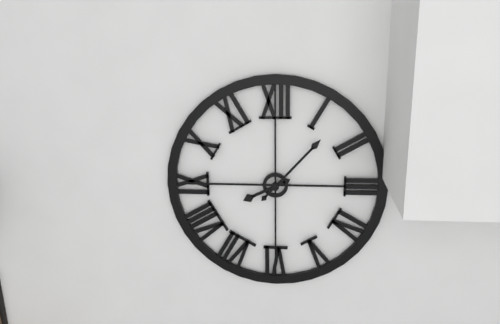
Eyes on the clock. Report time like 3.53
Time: 8.07
